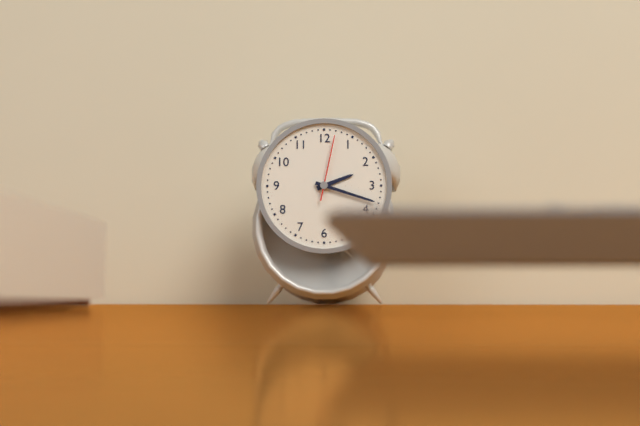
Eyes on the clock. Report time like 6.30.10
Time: 2.18.02
